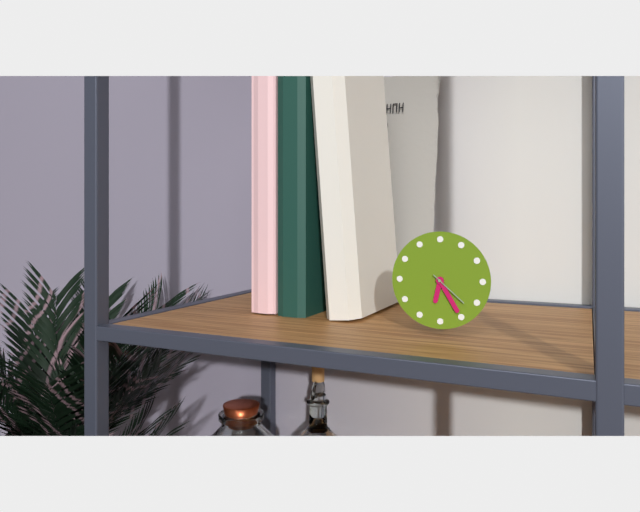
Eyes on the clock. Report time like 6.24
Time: 6.25
